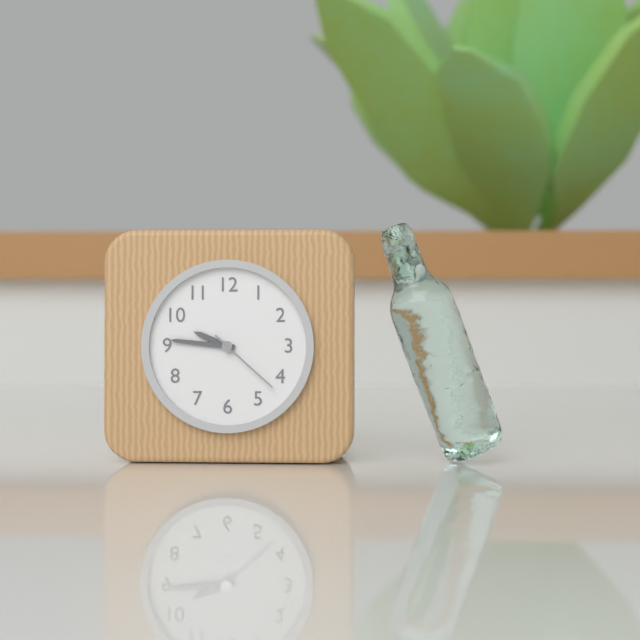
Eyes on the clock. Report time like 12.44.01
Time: 9.46.22
